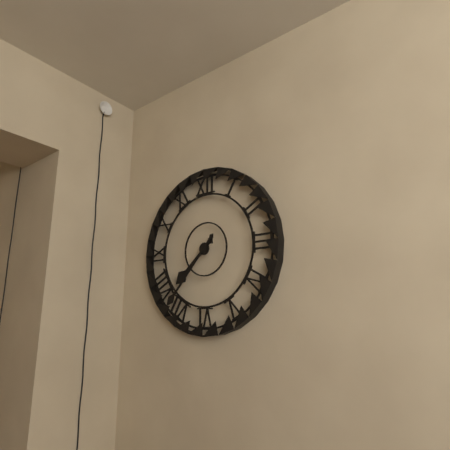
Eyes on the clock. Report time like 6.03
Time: 7.37
